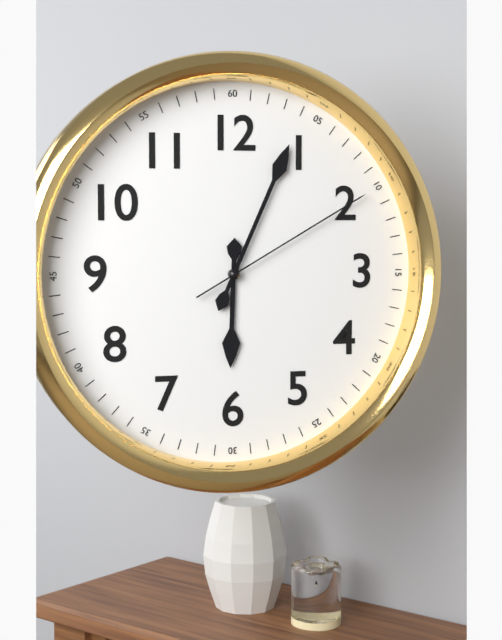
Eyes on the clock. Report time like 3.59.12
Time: 6.04.10
